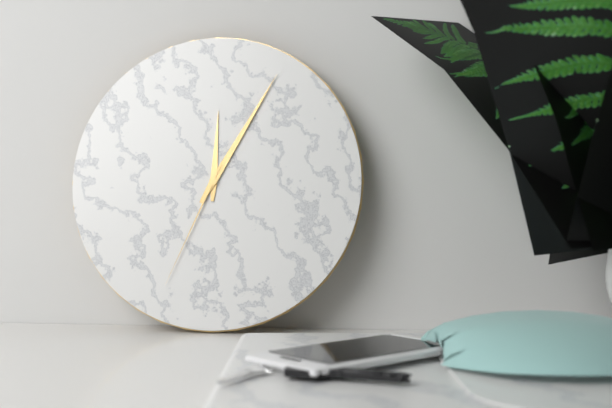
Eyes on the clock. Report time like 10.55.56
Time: 12.05.34
